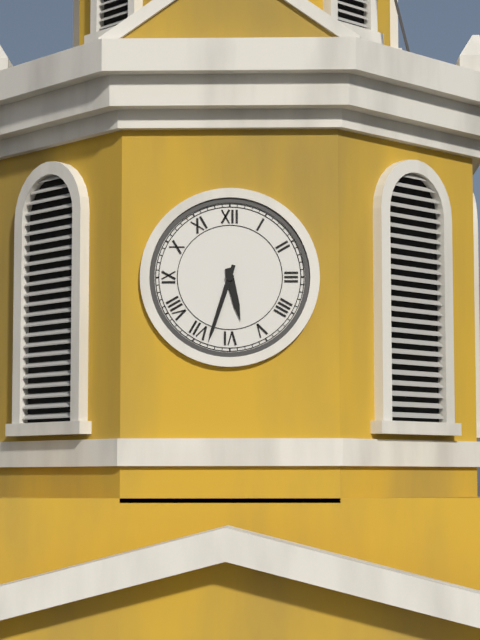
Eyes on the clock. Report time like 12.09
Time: 5.33
